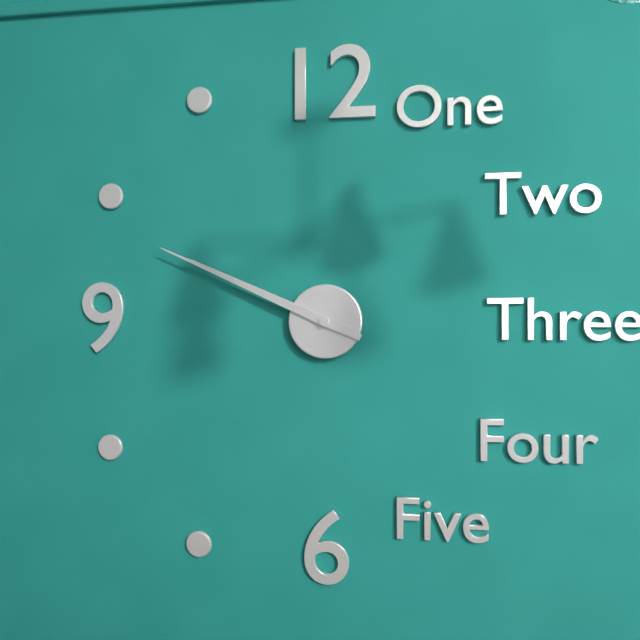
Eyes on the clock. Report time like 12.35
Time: 9.49
